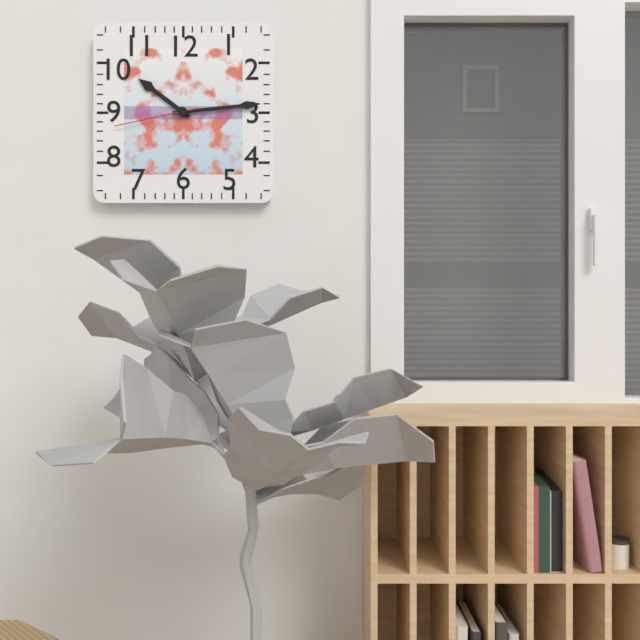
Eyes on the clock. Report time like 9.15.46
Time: 10.14.43
